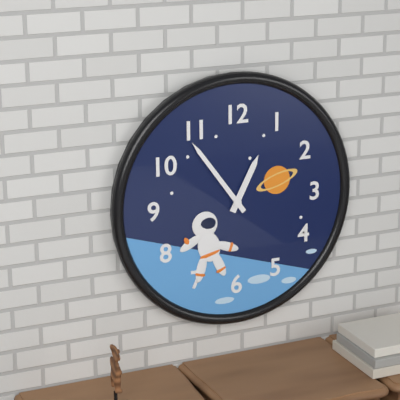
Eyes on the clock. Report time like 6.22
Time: 12.54
